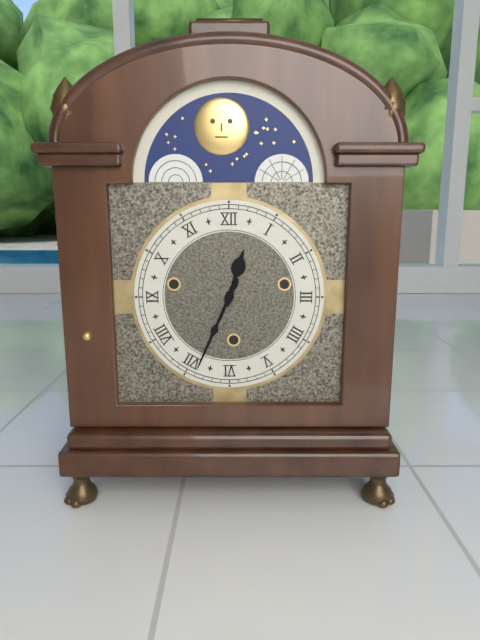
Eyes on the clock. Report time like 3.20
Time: 12.34
